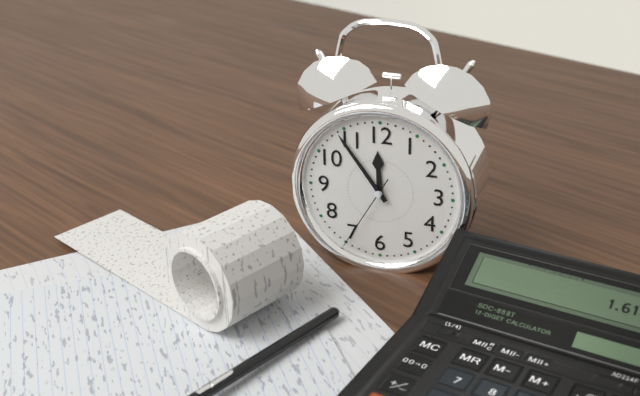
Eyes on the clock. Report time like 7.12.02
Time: 11.54.35
